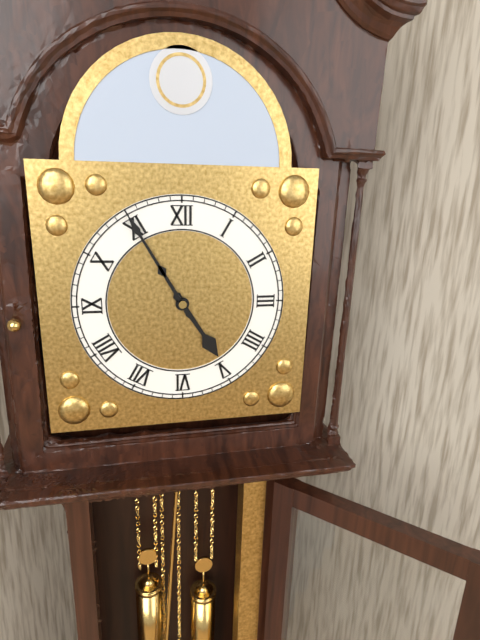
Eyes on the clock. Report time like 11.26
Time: 4.55
